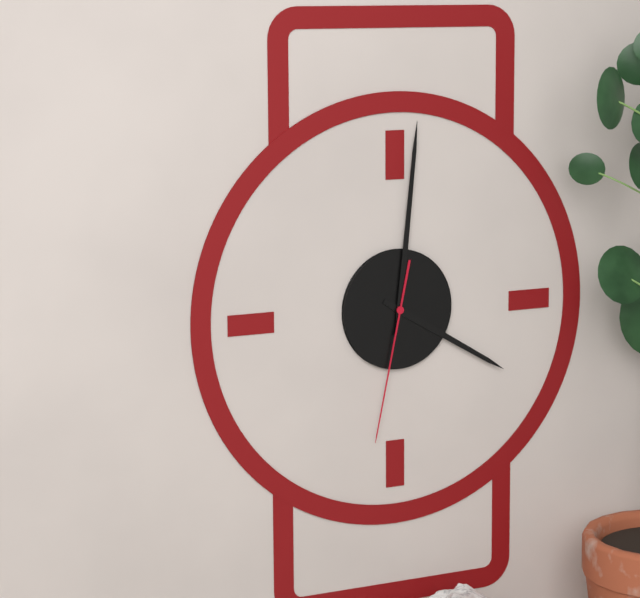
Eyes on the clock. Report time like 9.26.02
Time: 4.01.32
